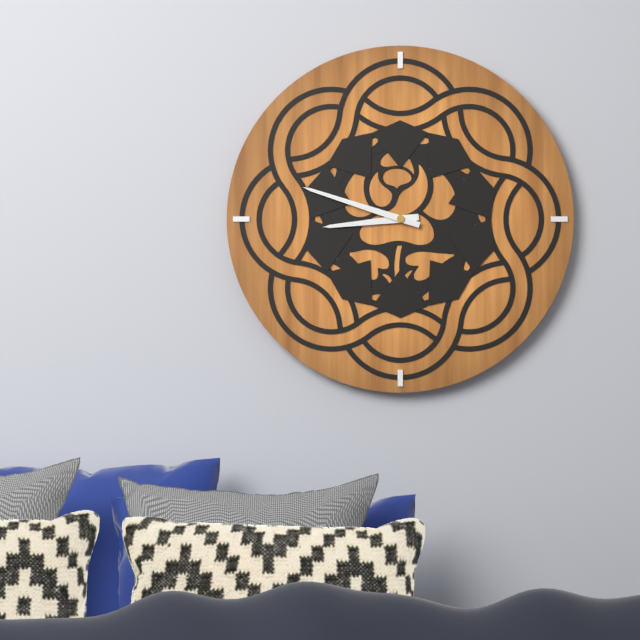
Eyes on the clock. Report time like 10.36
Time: 8.48
